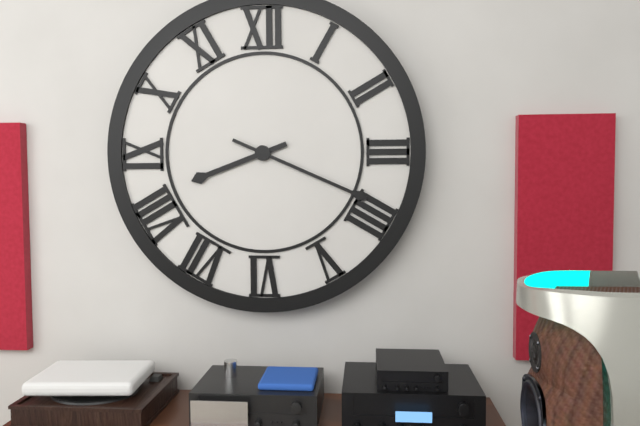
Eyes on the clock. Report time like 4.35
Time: 8.19
